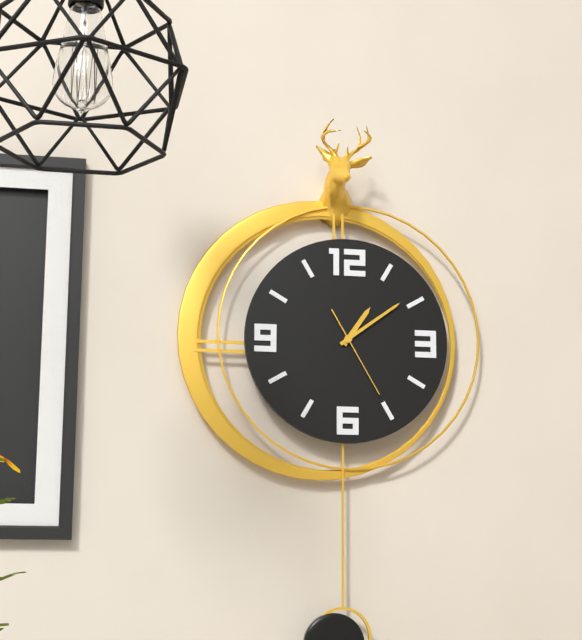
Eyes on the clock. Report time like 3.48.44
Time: 1.09.25
